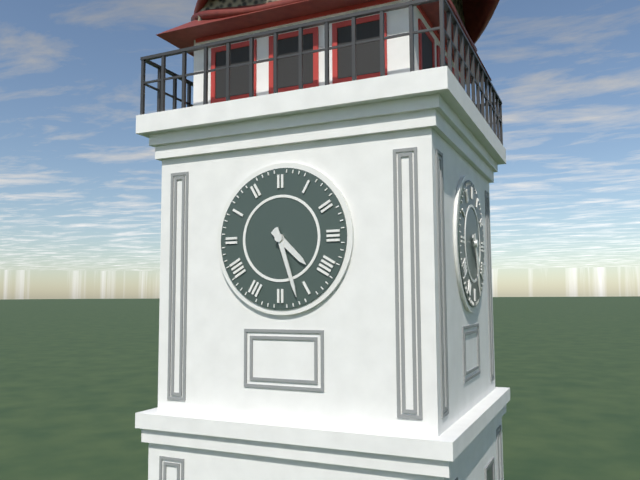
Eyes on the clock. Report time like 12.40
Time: 4.27
